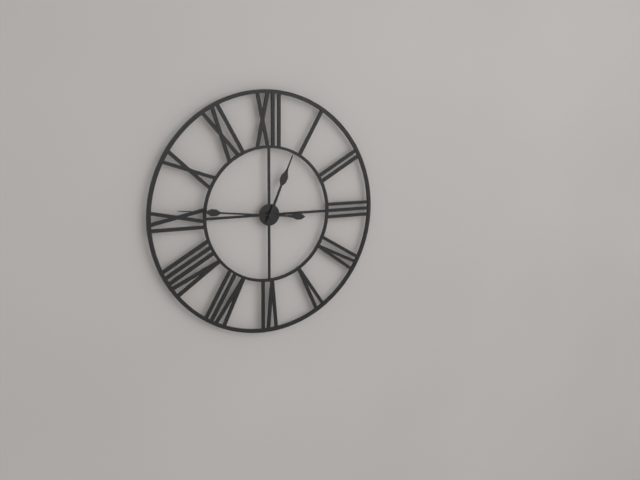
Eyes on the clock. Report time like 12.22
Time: 12.46
